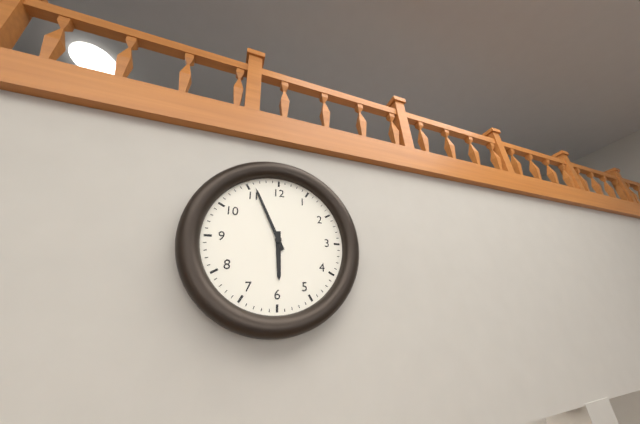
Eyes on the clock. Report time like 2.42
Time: 5.56
